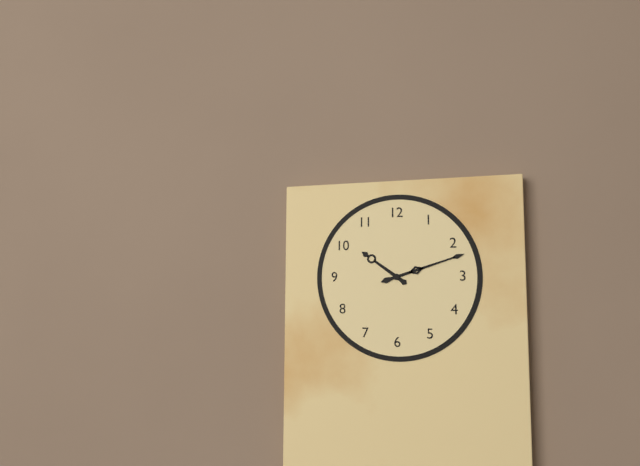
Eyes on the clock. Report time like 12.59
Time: 10.12
